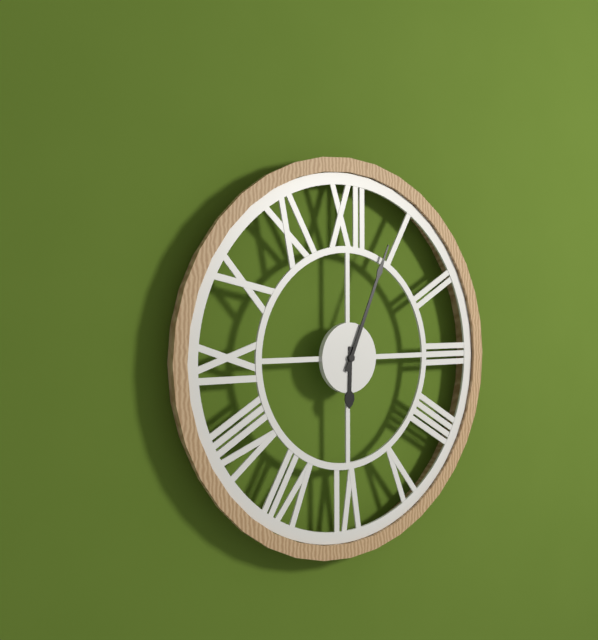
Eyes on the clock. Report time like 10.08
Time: 6.04
